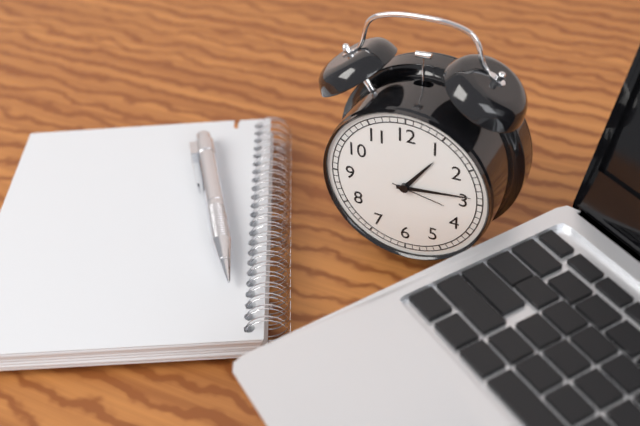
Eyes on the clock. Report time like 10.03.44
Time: 1.14.17
